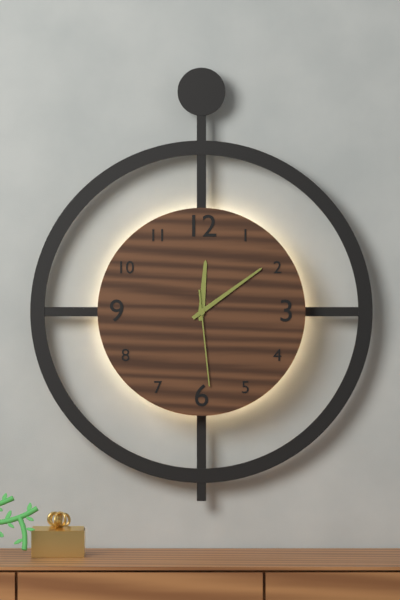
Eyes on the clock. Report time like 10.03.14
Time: 12.09.29
